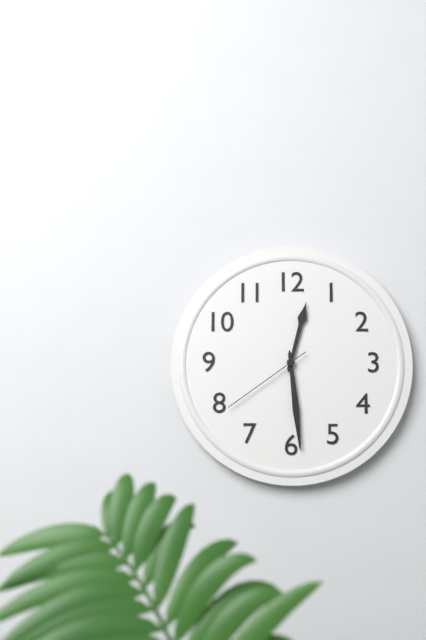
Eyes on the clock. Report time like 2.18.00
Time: 12.29.39
